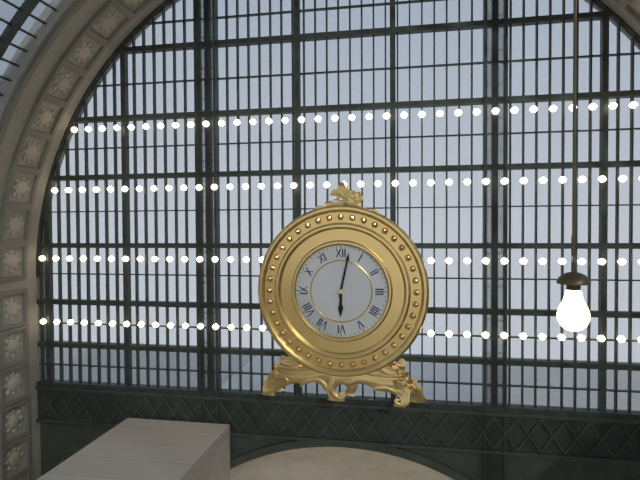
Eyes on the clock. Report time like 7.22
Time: 6.02
